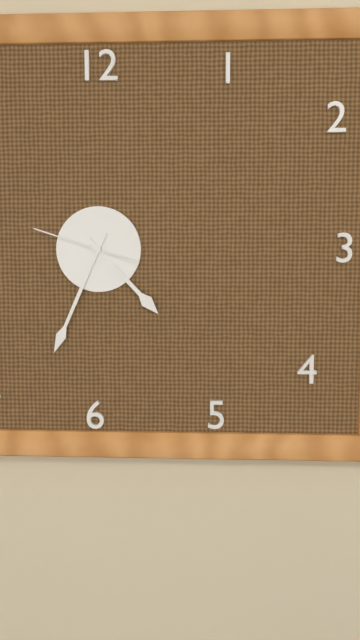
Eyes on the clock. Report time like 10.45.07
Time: 4.34.48
